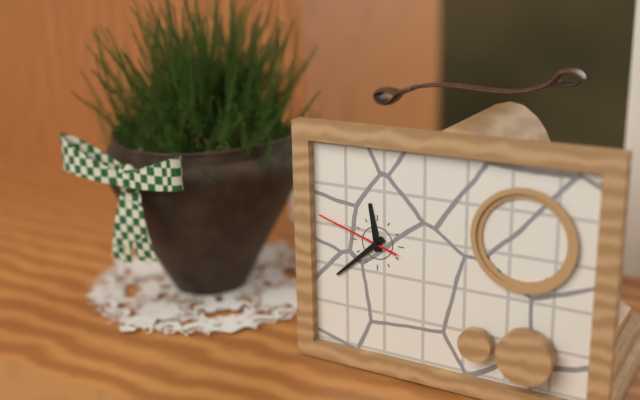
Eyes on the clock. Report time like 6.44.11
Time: 11.38.48
